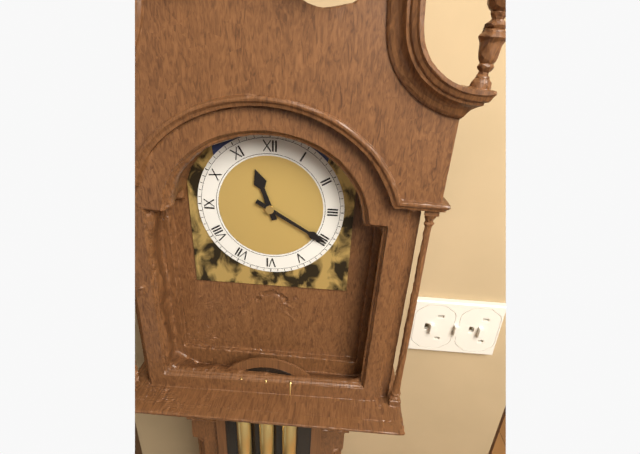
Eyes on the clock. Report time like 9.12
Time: 11.20
